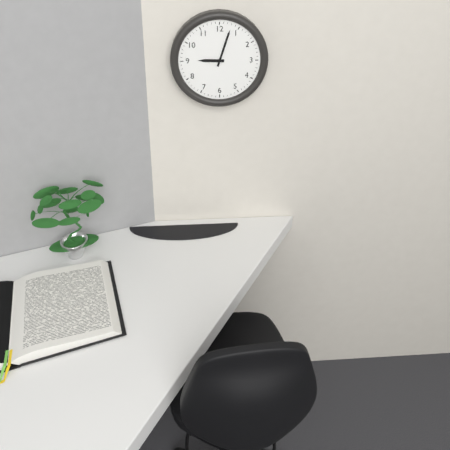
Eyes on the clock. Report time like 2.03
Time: 9.03
